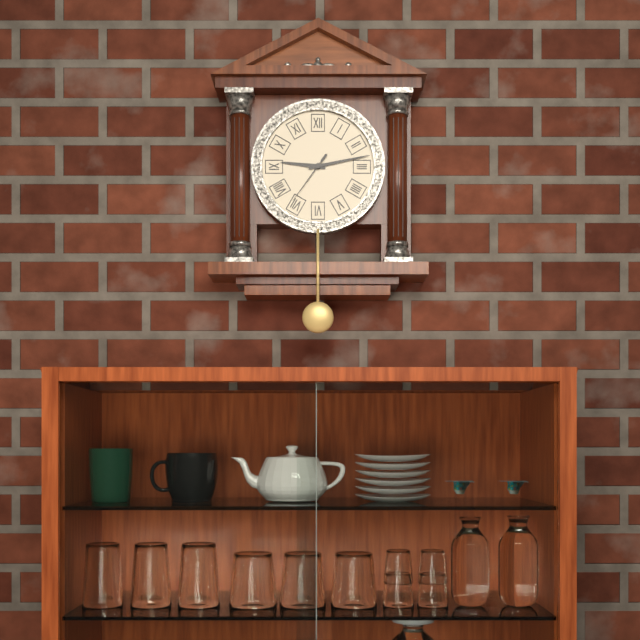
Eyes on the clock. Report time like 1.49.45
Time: 9.13.36
